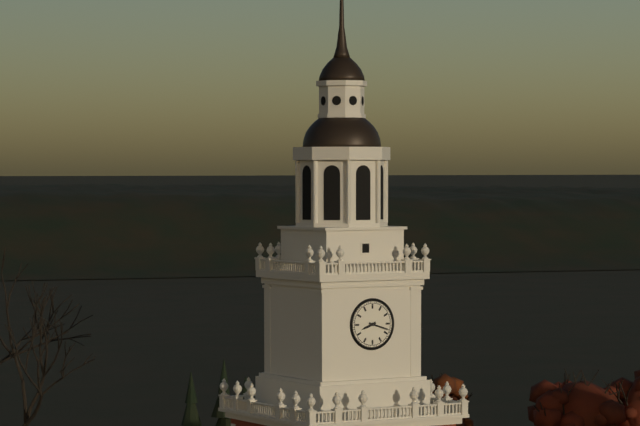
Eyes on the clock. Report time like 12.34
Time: 8.18
